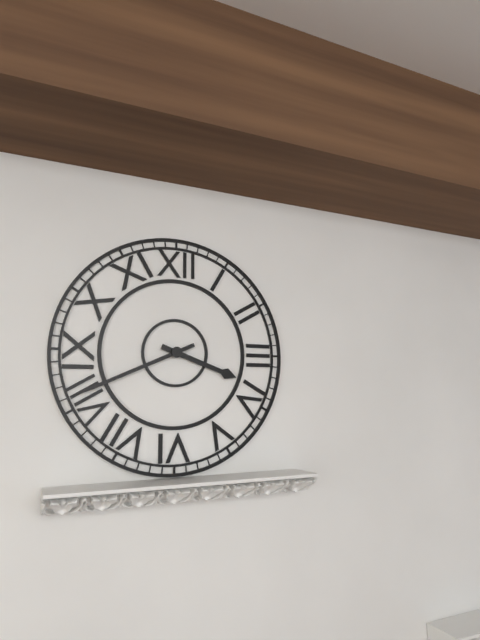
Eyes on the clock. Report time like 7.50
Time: 3.41
